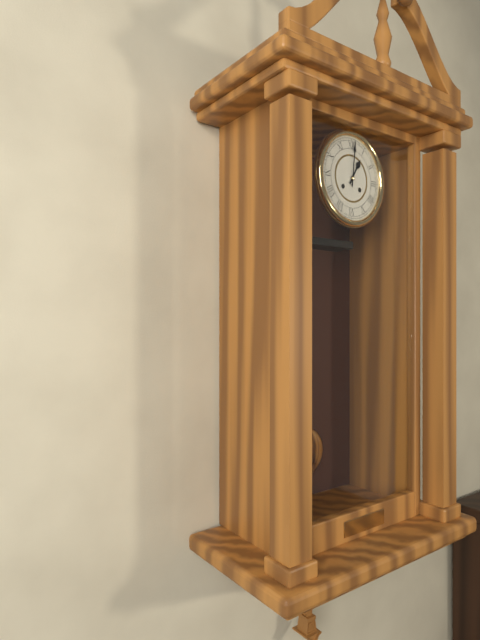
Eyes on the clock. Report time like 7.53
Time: 1.01
